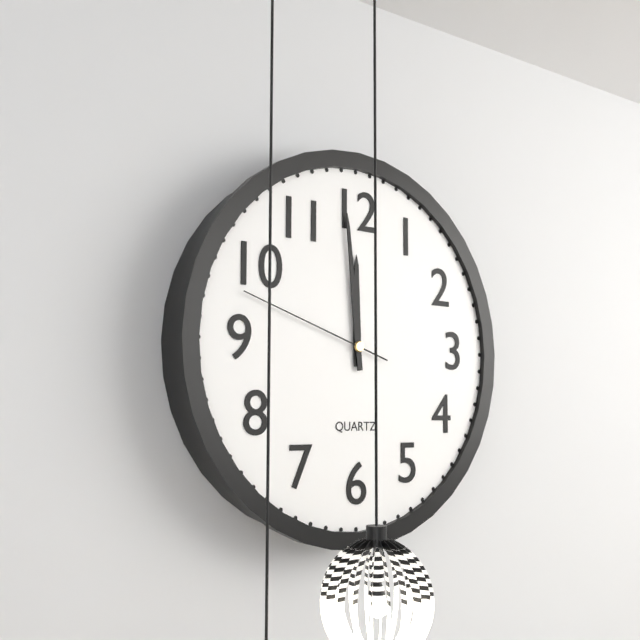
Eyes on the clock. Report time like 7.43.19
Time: 11.59.48
